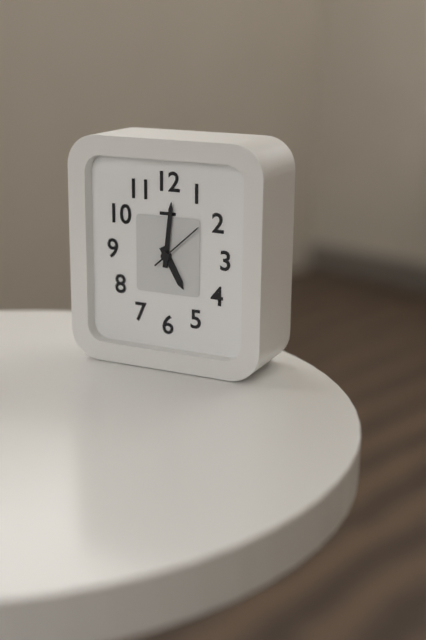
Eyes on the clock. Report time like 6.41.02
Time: 5.01.08
